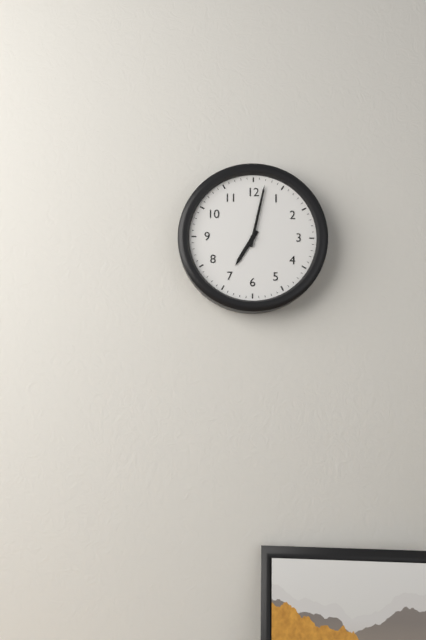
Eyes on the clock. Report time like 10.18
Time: 7.02
